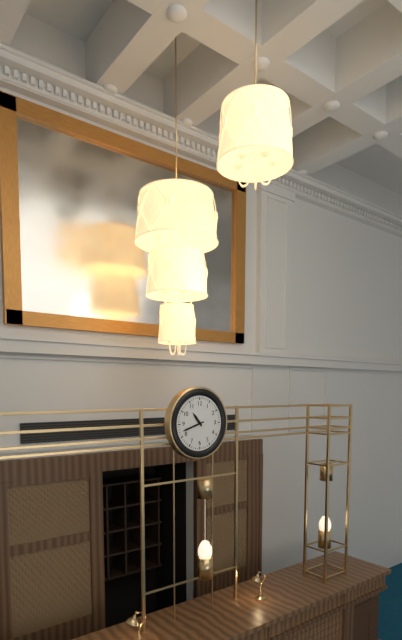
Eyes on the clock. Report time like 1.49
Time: 10.42
